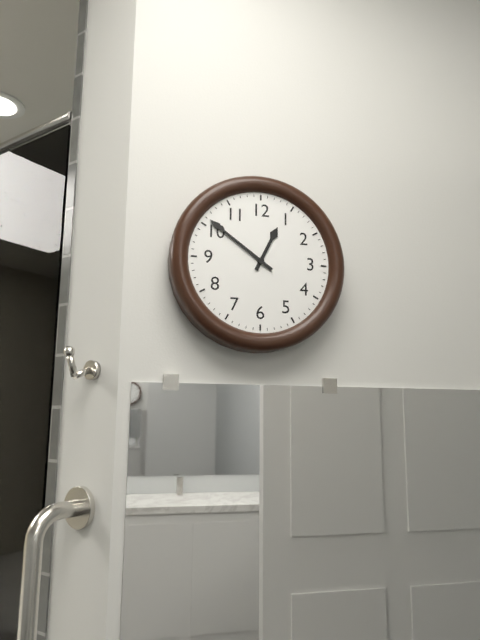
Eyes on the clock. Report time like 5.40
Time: 12.51
